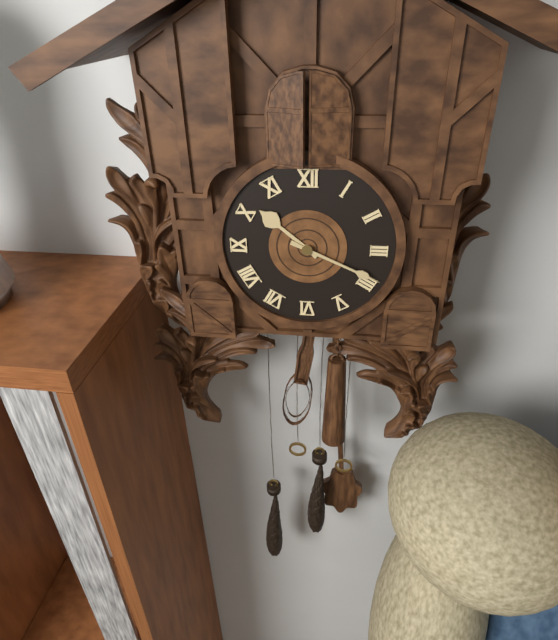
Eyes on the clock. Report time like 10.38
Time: 10.19
